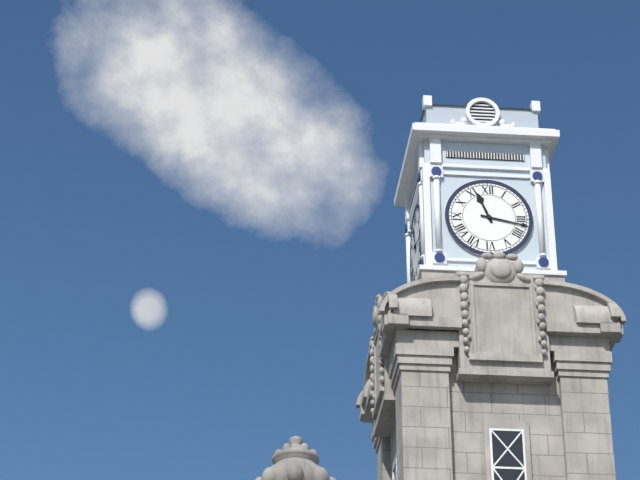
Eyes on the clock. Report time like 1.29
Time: 11.17
